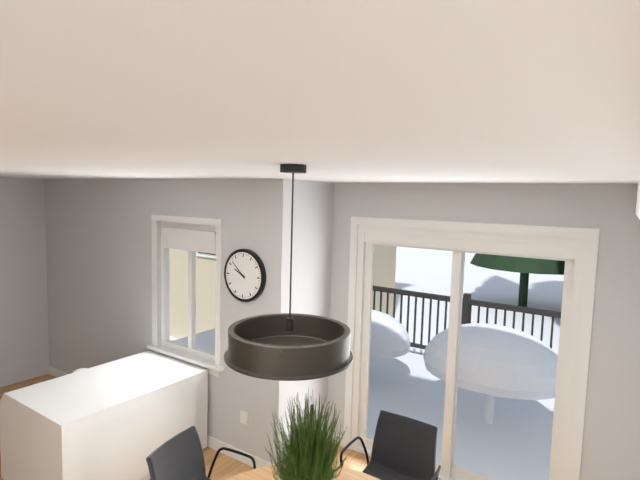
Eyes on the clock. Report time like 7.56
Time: 9.52
